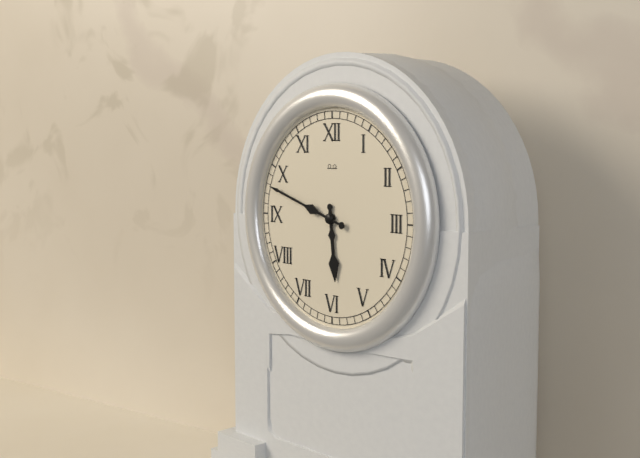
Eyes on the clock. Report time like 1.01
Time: 5.48
